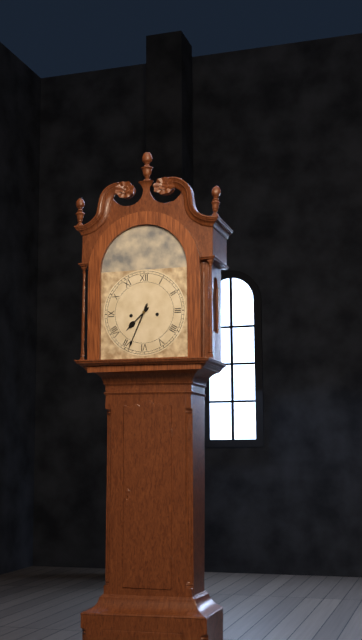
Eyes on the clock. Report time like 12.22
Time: 7.34
